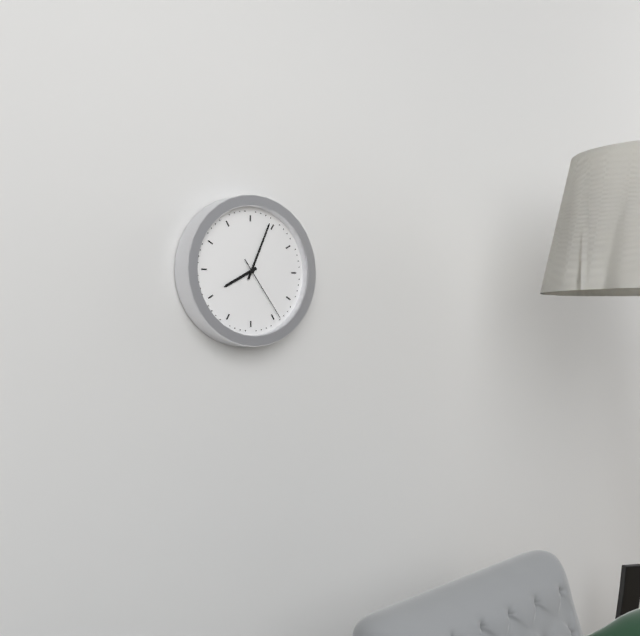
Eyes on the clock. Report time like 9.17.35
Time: 8.04.24
